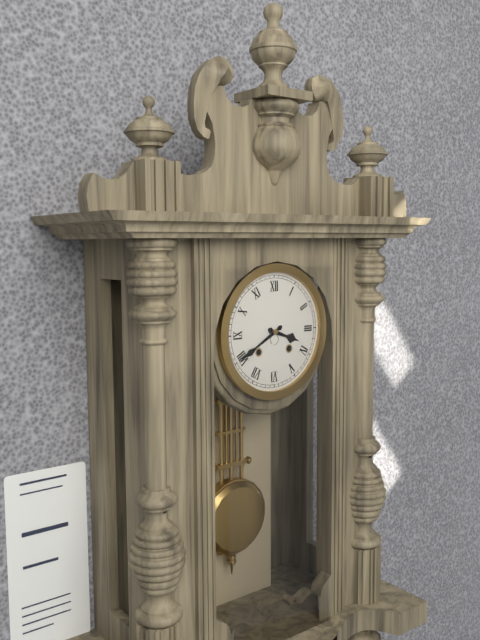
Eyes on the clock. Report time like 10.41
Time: 3.40
